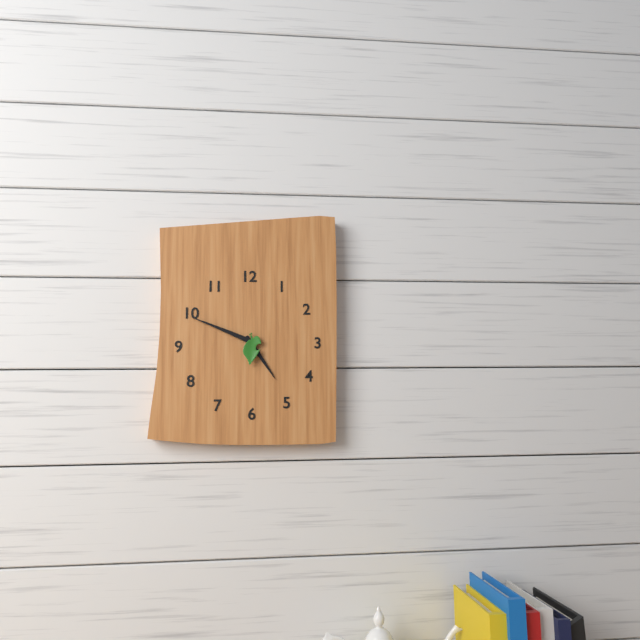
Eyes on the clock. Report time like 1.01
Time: 4.49
